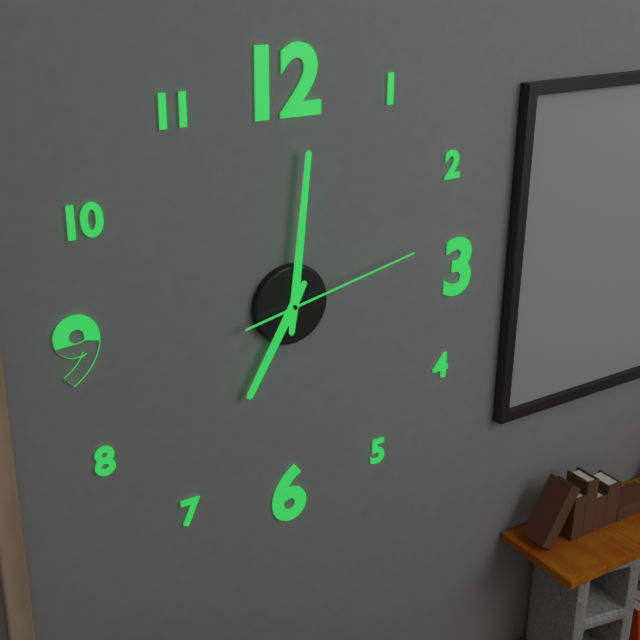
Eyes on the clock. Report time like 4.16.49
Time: 7.01.13
